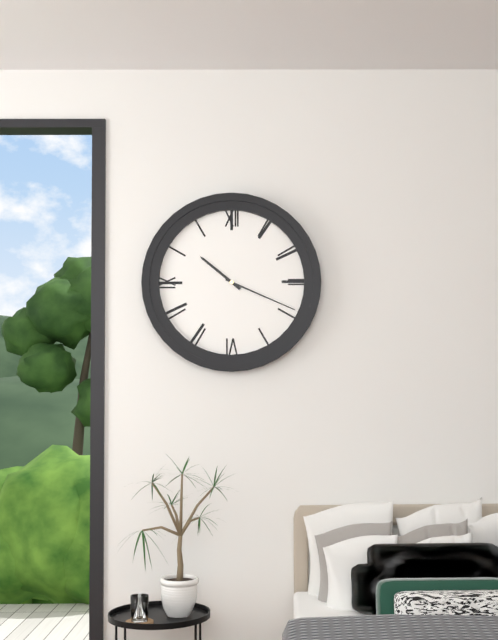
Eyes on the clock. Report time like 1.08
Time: 10.19
